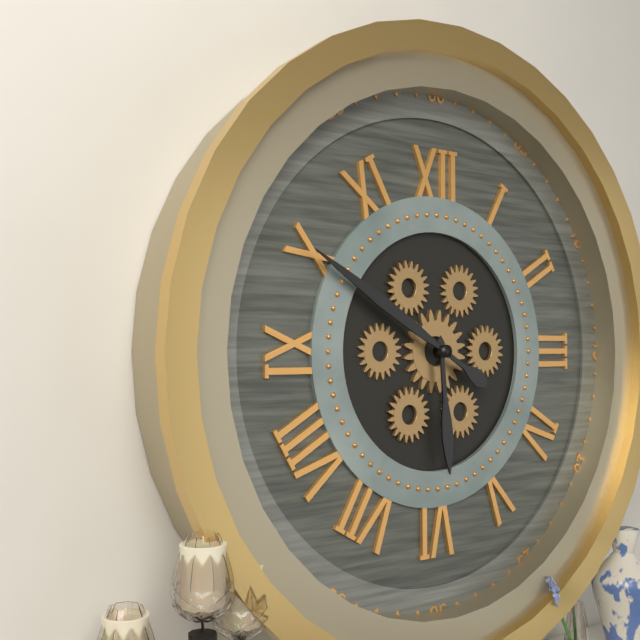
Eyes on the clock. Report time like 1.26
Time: 5.50
